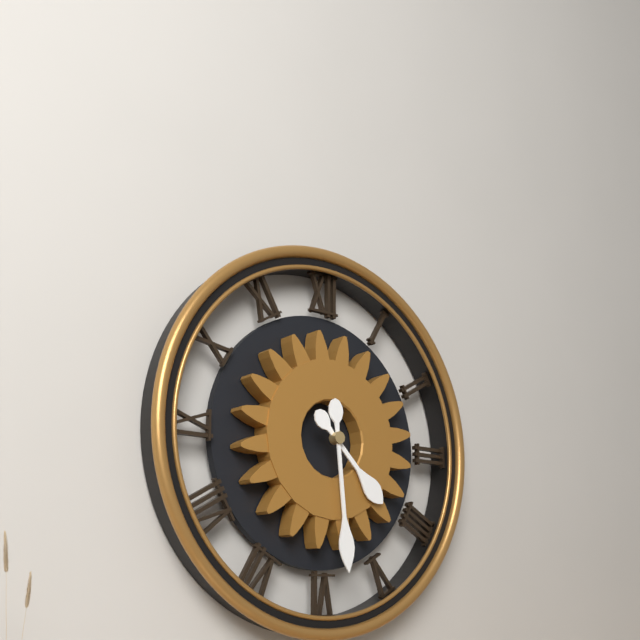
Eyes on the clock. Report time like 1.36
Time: 4.29
